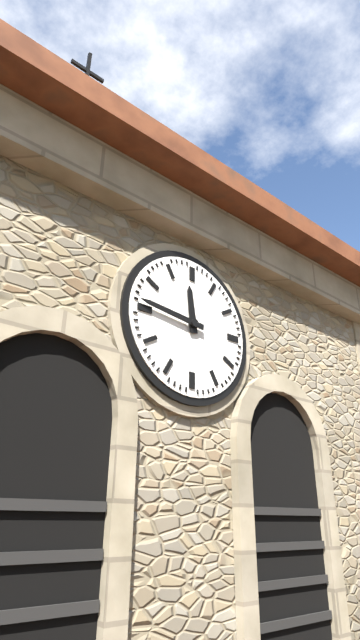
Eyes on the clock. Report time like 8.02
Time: 11.46
